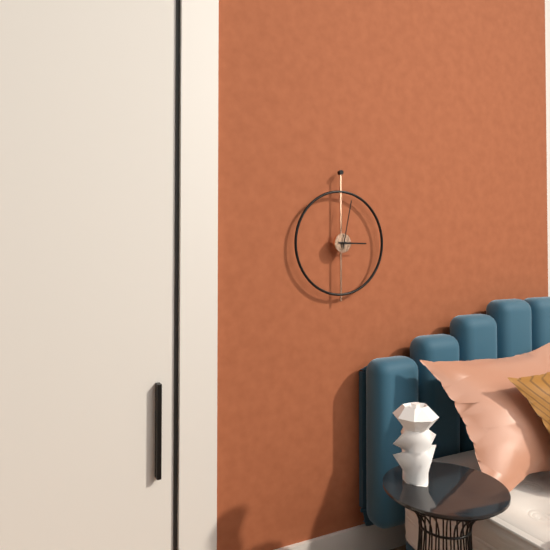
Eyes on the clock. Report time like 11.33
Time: 3.02
